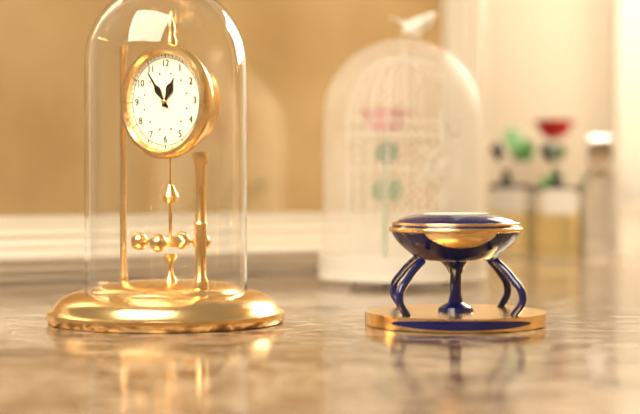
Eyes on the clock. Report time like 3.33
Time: 12.54
